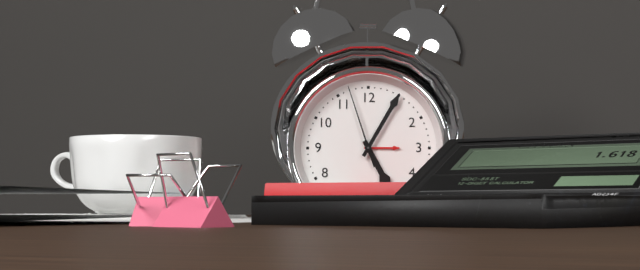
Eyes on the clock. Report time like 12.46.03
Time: 5.05.57
